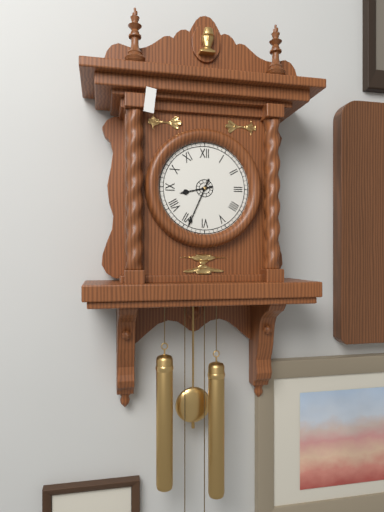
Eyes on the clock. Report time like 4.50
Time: 8.34
